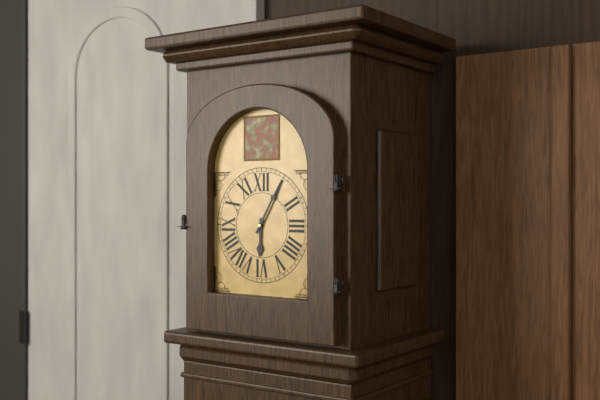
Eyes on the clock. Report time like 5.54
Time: 6.05
